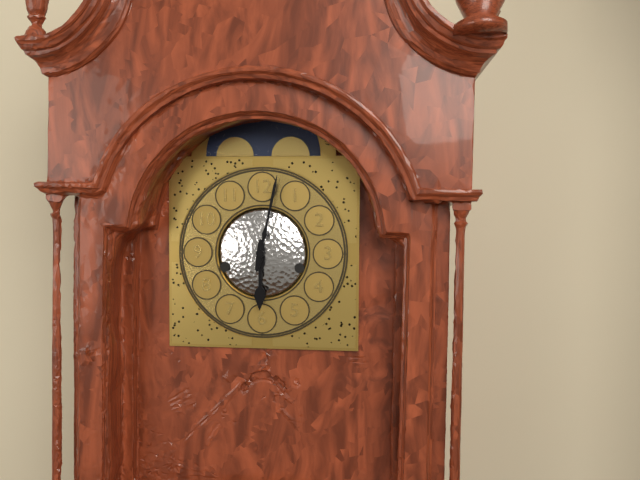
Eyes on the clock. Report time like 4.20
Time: 6.02
